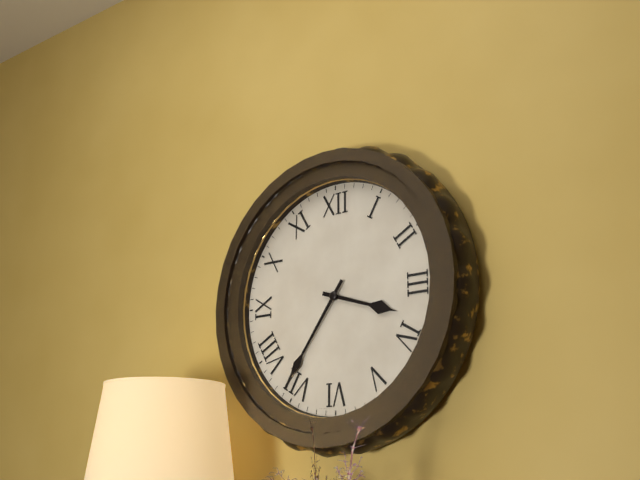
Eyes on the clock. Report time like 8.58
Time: 3.36
